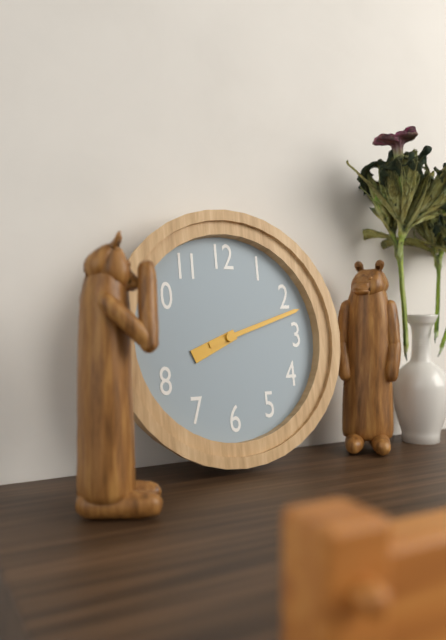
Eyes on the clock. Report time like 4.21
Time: 8.12
